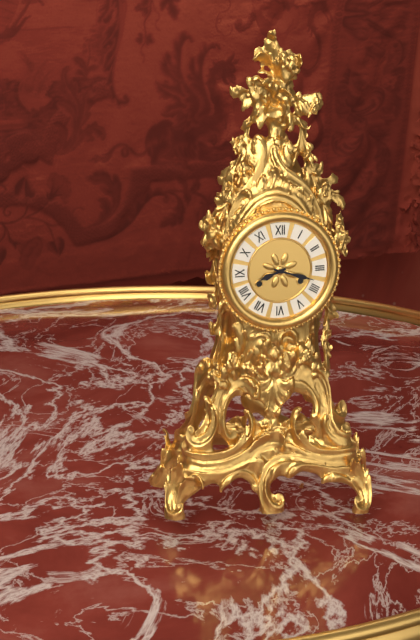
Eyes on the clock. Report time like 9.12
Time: 8.18
